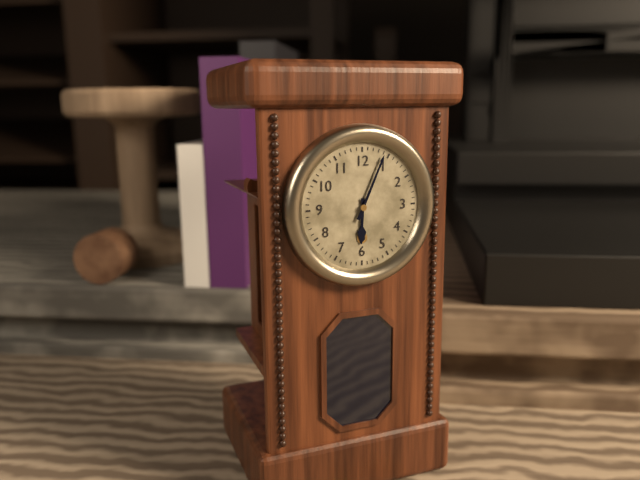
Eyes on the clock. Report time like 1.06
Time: 6.04
